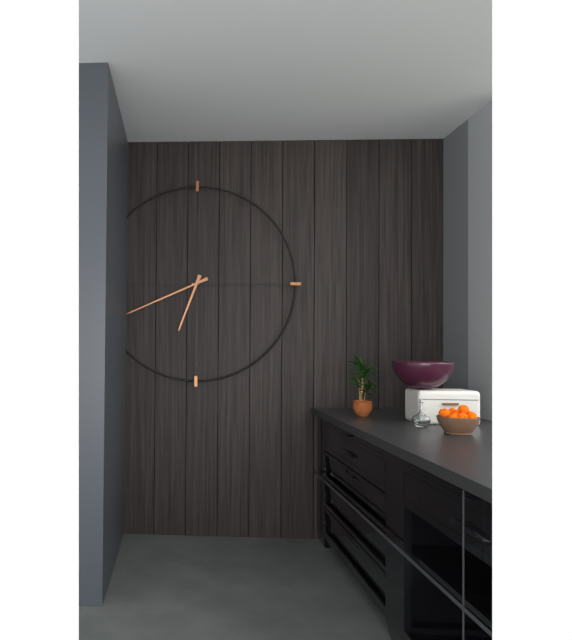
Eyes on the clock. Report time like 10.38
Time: 6.41
